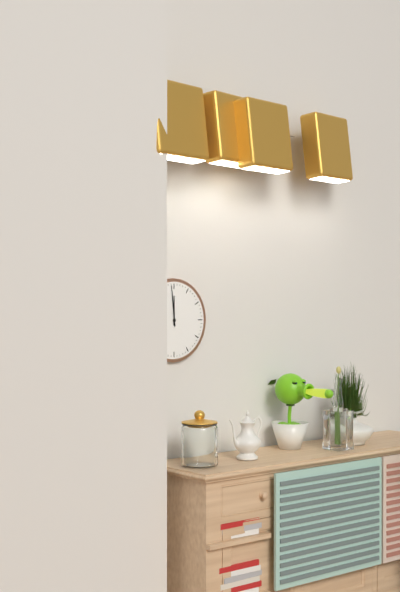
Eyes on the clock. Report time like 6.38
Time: 11.59
